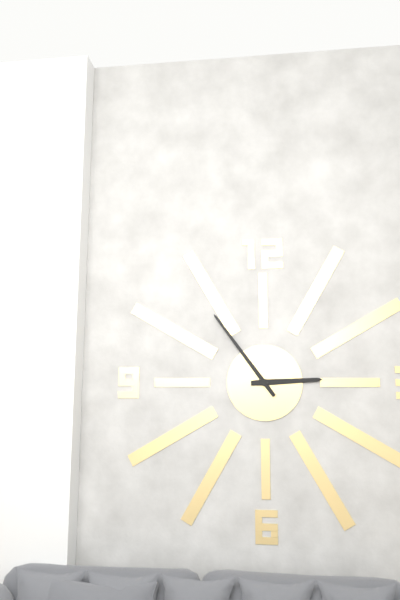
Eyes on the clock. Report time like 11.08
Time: 2.54
